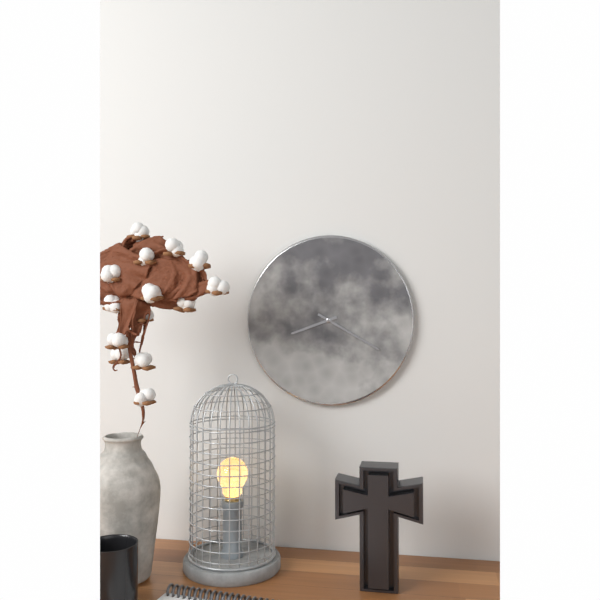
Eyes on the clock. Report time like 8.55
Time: 8.20
